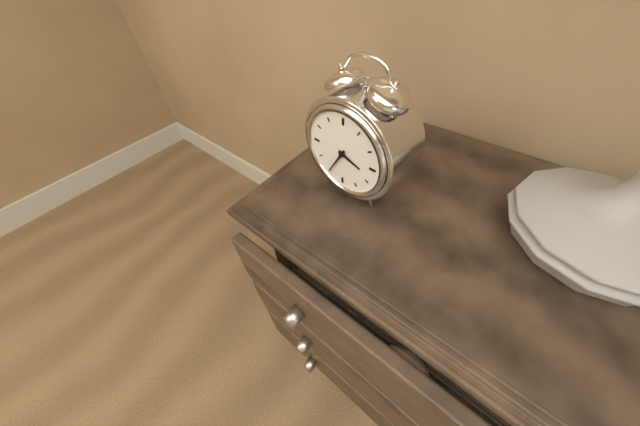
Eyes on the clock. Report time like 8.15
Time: 3.35
